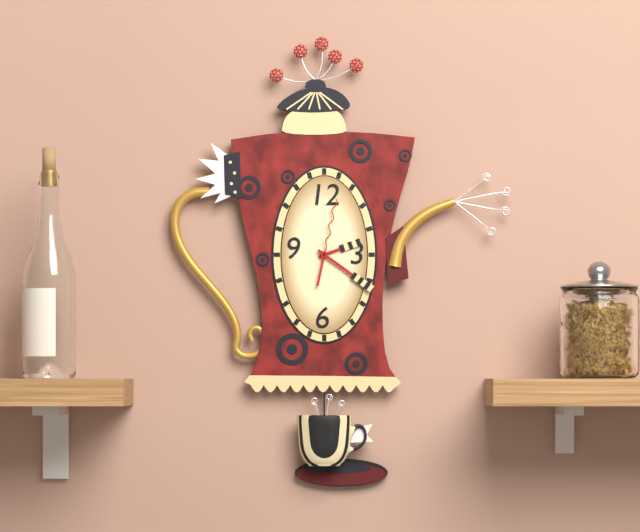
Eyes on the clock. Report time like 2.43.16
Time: 2.21.02
